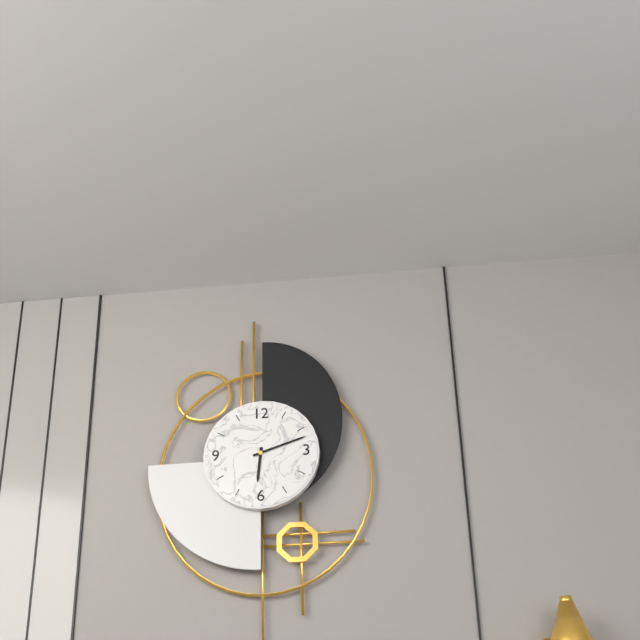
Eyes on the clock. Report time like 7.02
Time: 6.12
